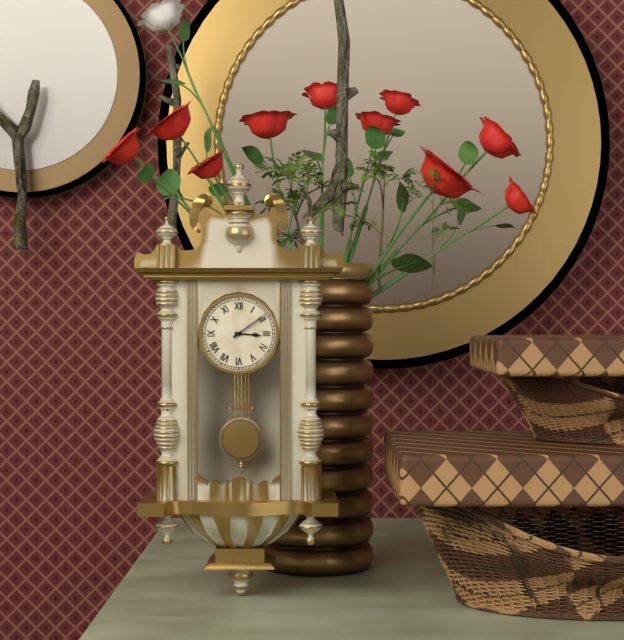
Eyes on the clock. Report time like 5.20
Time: 3.09
